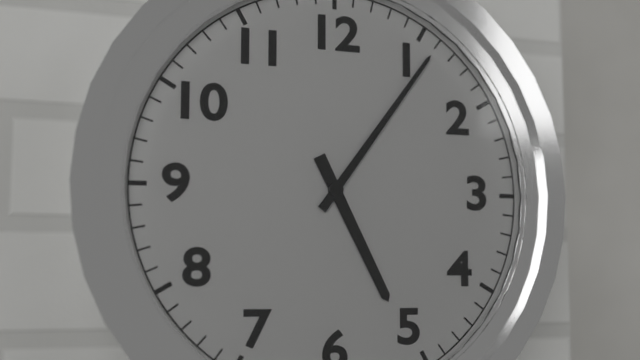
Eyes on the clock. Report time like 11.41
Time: 5.06
